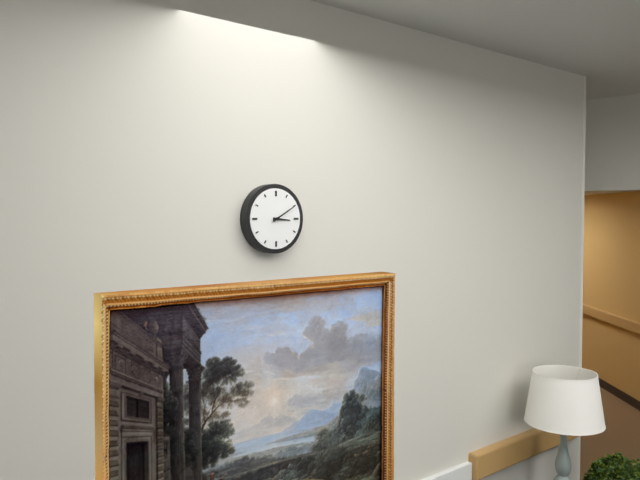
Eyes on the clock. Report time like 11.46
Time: 3.10
